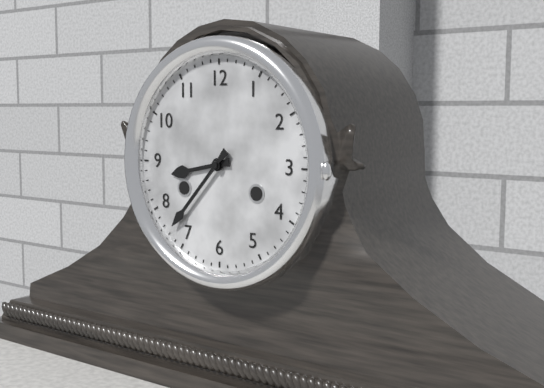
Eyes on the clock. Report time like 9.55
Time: 8.37
